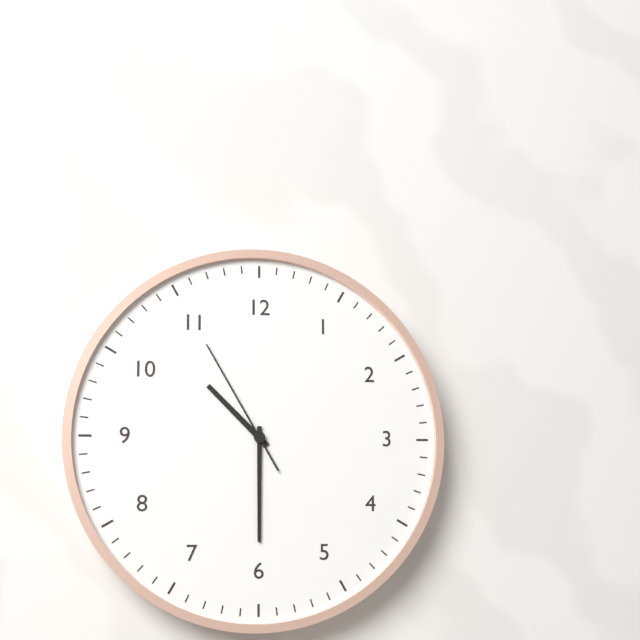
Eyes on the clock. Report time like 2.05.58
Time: 10.30.55
